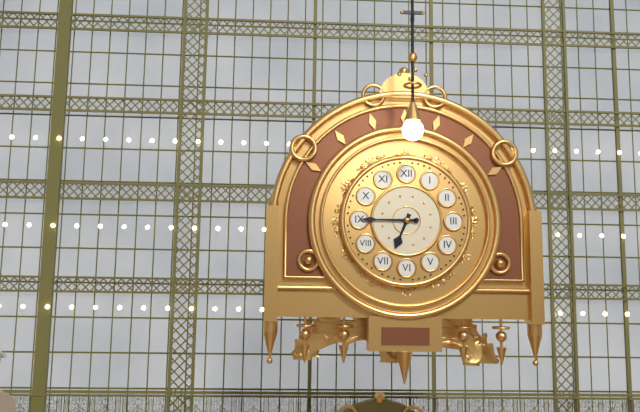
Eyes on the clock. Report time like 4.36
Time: 6.45
